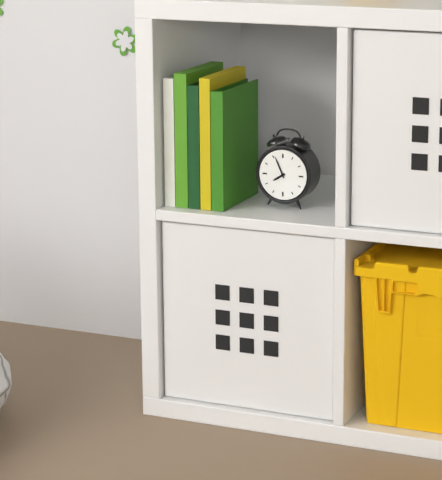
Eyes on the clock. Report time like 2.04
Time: 7.56
